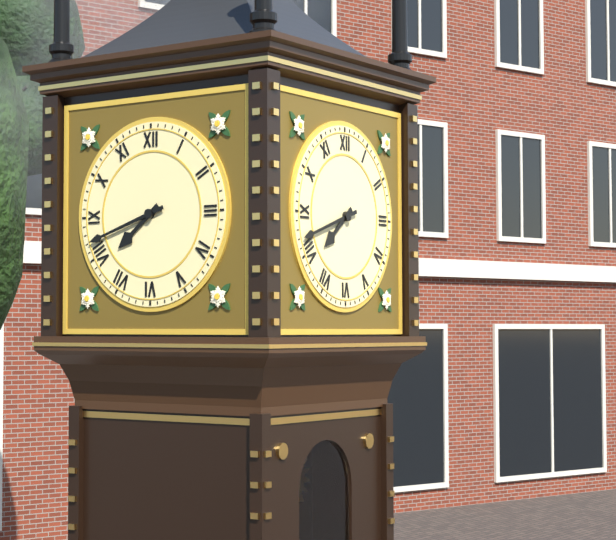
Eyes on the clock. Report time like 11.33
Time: 7.42
